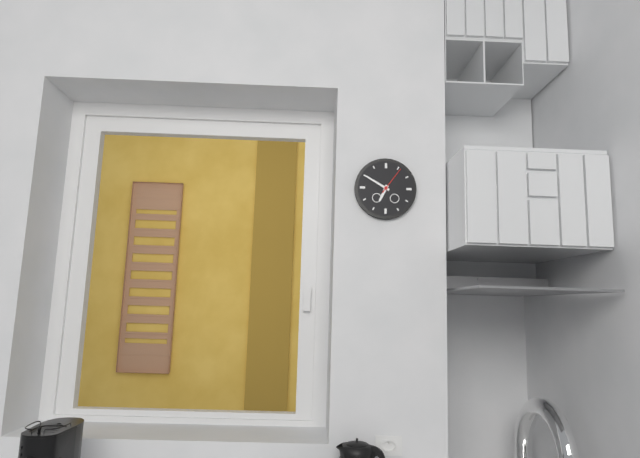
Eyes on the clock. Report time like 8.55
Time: 6.50
